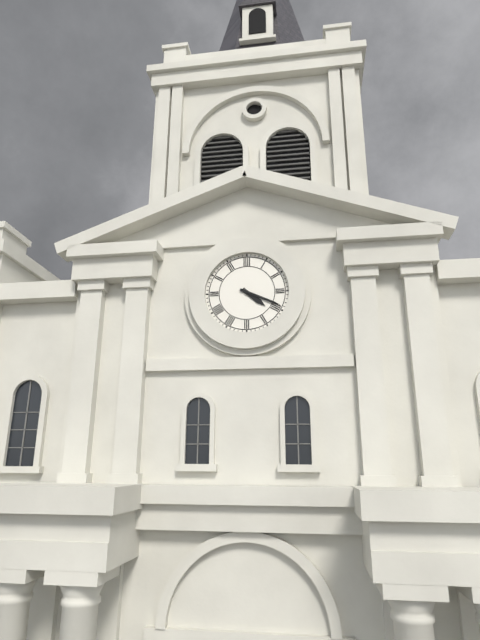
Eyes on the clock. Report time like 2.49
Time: 4.19
